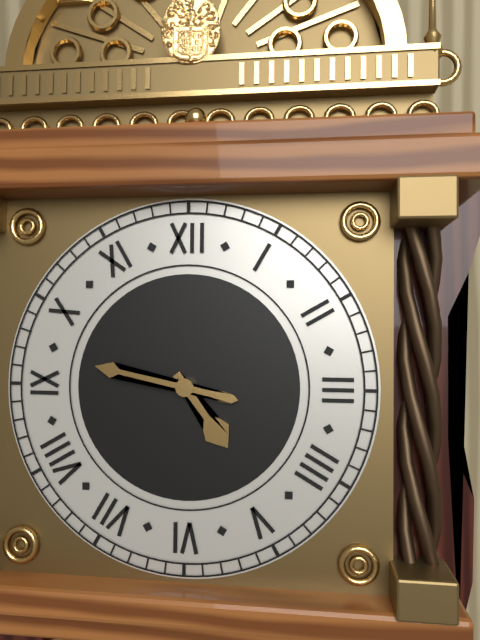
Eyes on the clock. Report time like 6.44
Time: 4.47
